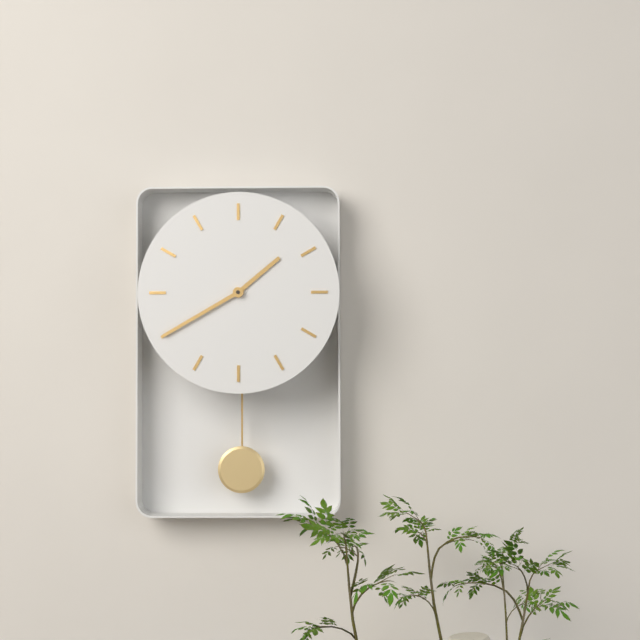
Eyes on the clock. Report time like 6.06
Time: 1.40
